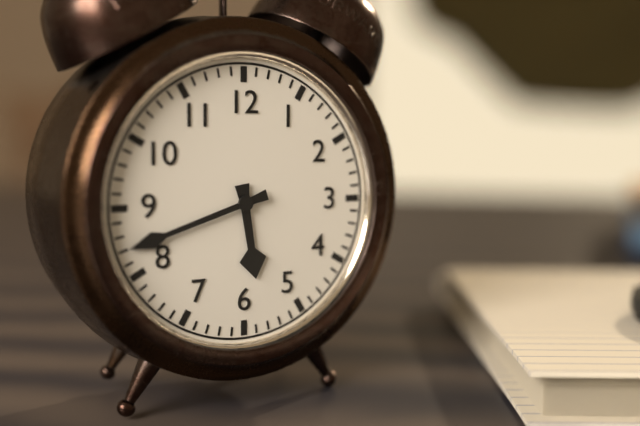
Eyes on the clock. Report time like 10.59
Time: 5.42
